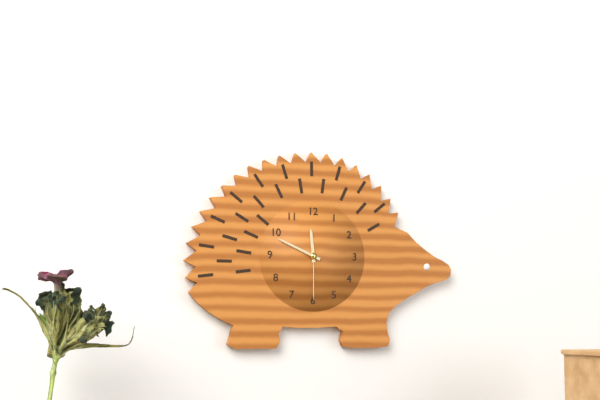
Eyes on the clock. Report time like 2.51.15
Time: 11.49.30
